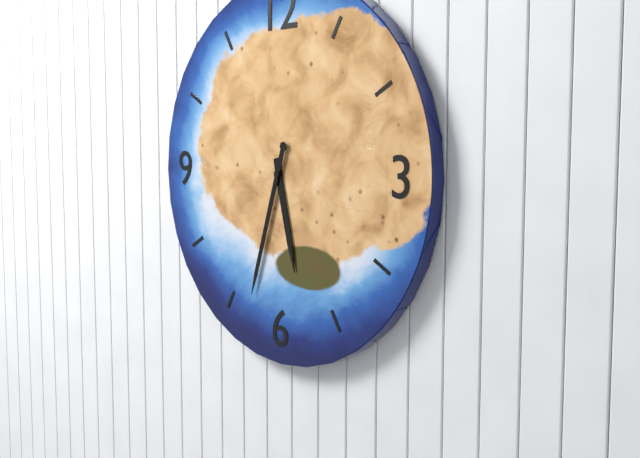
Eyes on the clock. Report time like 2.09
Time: 5.33
